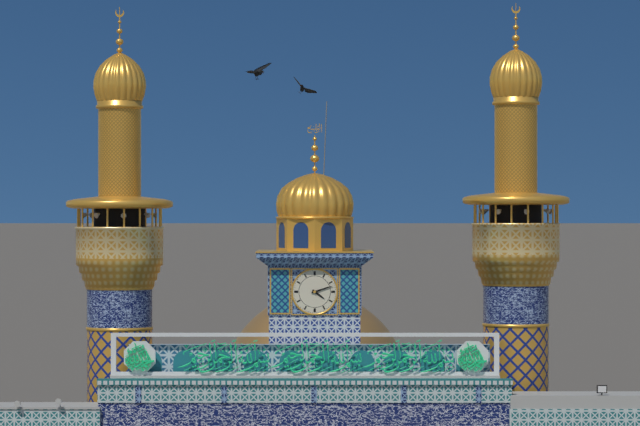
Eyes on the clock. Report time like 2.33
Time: 4.12
